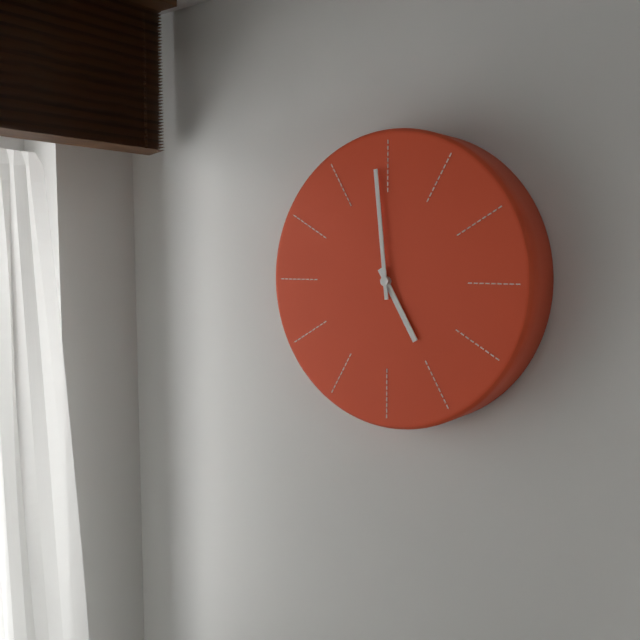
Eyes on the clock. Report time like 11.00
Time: 4.59
